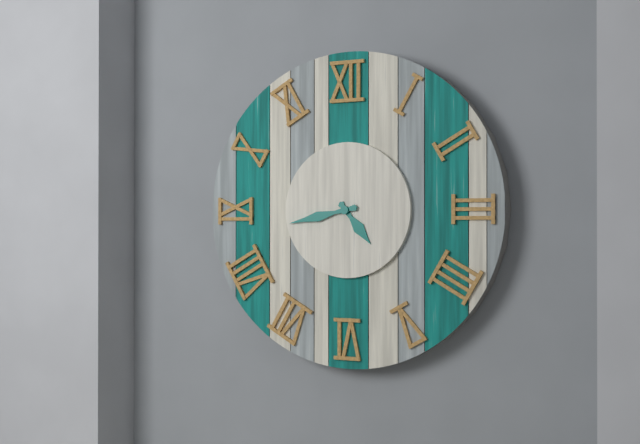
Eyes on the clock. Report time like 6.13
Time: 4.43
